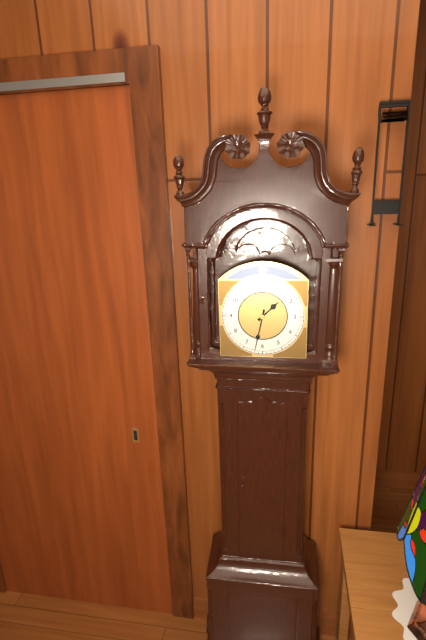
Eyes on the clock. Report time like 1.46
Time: 1.32
